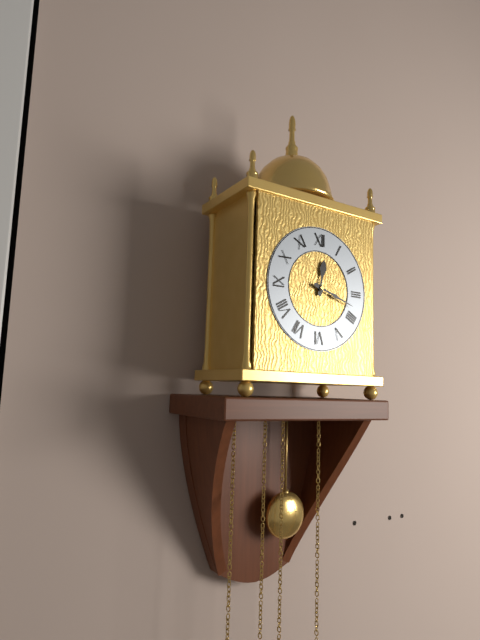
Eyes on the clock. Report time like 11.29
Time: 12.18
